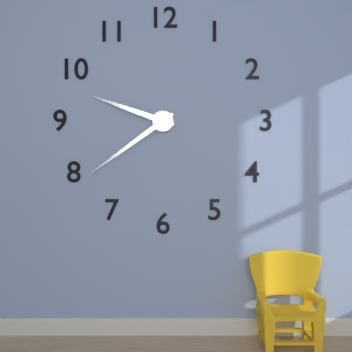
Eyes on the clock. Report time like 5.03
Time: 9.39
